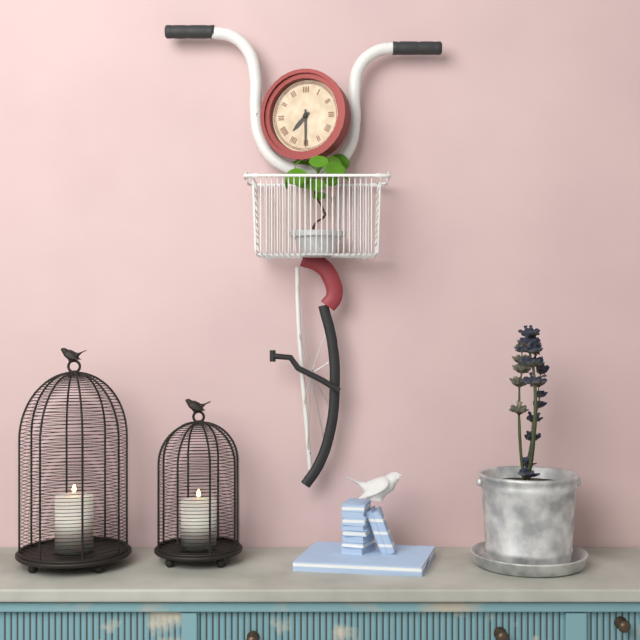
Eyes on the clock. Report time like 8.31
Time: 7.30
